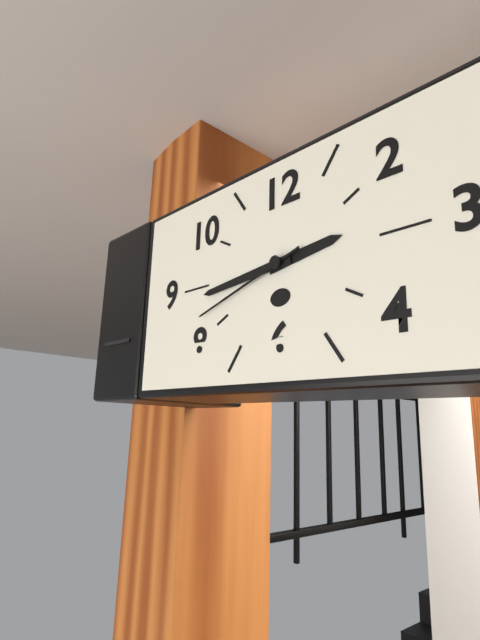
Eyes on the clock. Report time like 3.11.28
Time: 2.44.42
